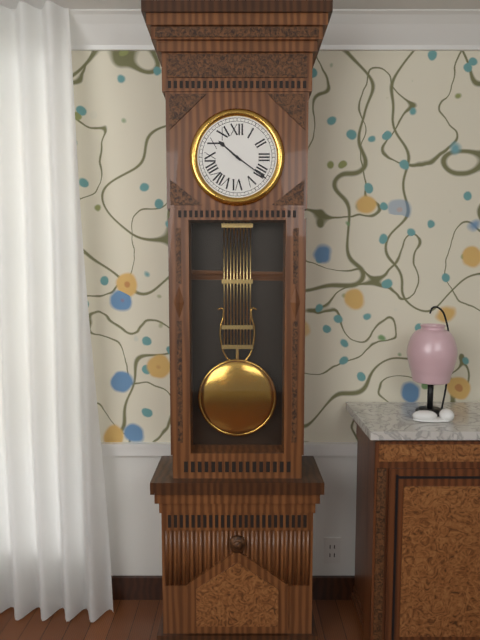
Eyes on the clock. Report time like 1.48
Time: 10.21
